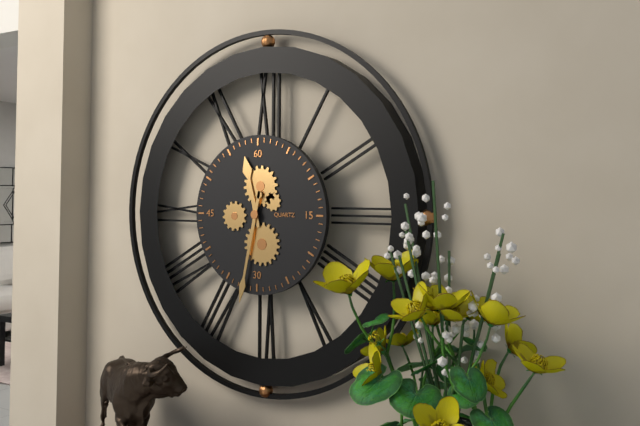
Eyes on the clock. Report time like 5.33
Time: 11.32
